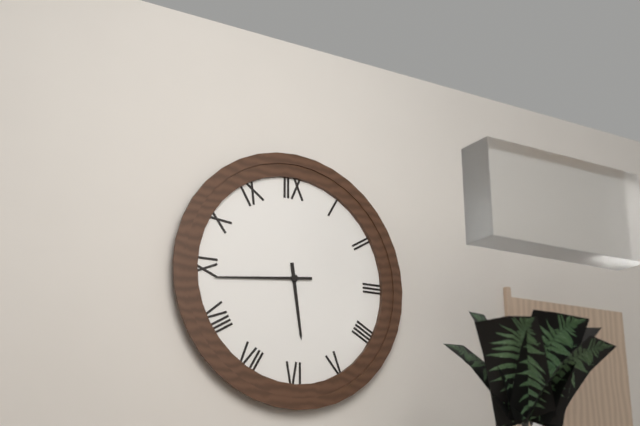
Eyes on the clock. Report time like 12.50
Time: 5.44
